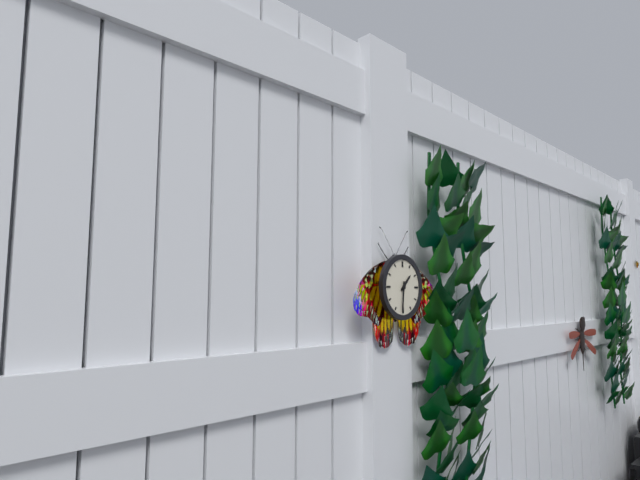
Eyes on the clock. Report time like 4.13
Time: 1.31
